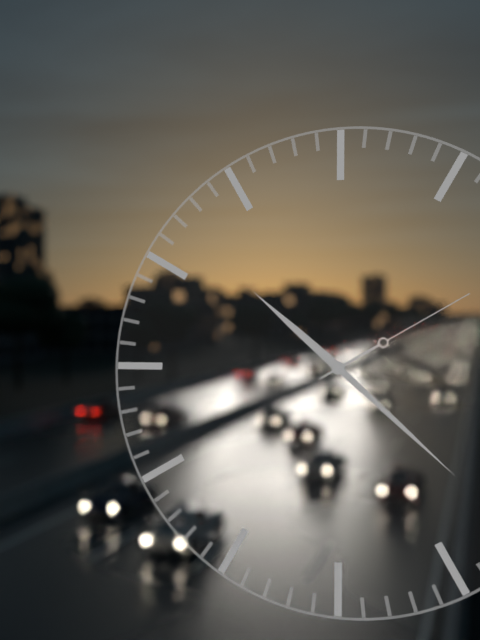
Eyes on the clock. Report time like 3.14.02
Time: 10.22.10
